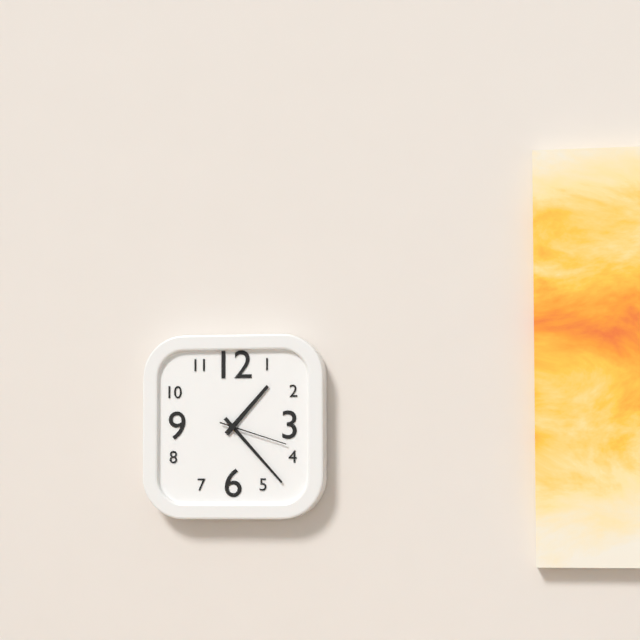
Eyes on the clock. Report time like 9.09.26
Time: 1.23.18
